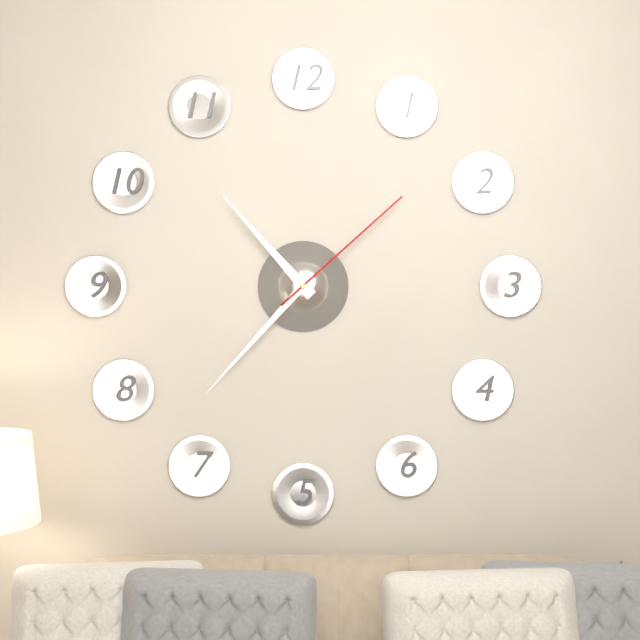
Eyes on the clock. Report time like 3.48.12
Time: 10.37.08
